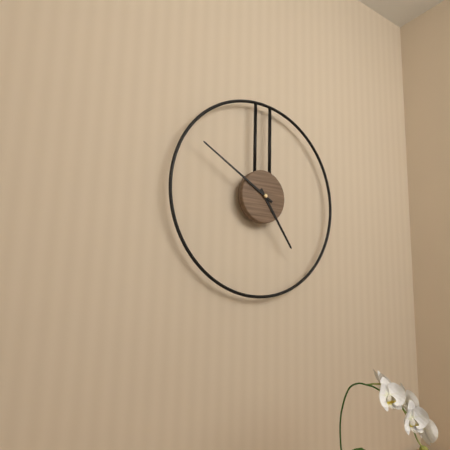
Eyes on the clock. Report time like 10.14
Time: 4.50
